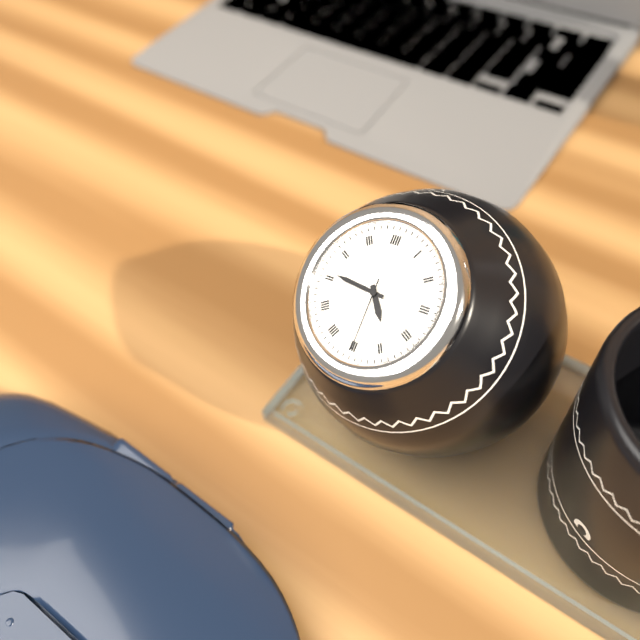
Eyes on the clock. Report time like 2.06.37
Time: 4.46.30
